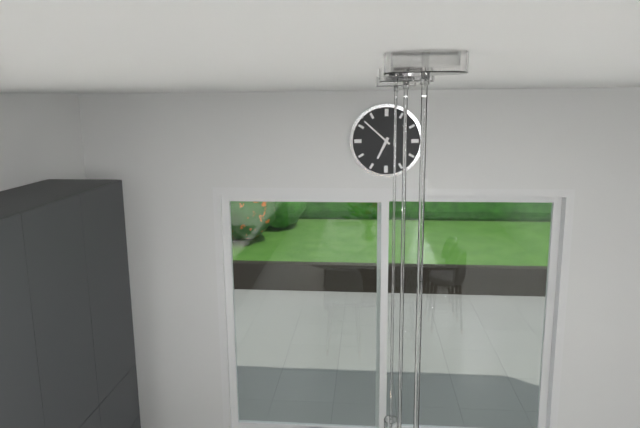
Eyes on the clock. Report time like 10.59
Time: 6.52
